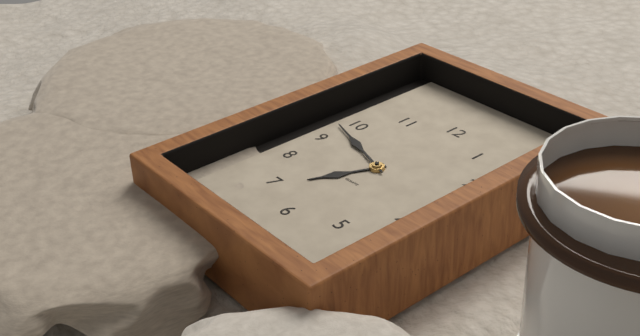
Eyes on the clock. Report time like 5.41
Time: 6.48
